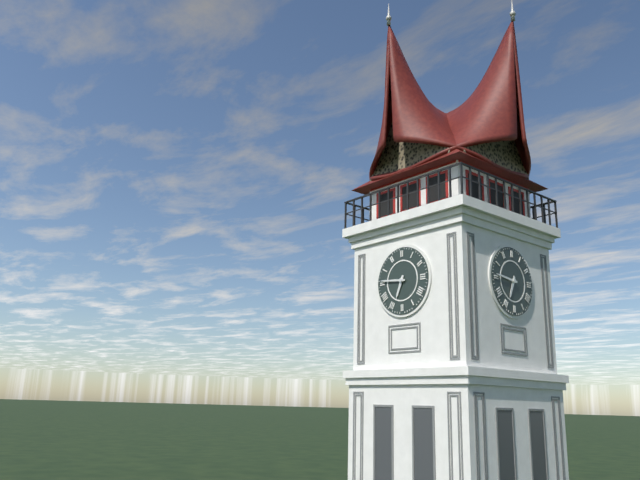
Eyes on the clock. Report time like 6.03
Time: 6.46
